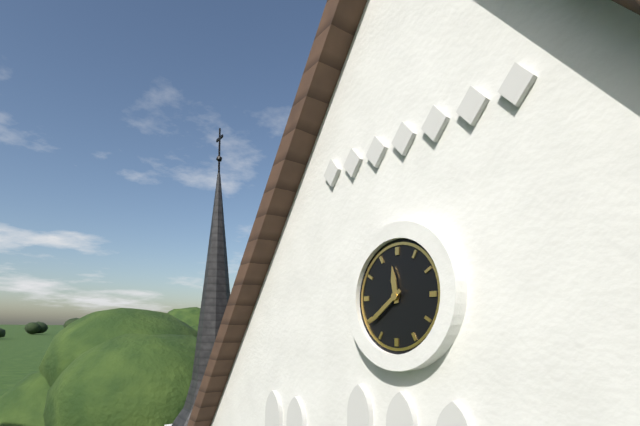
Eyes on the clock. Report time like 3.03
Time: 11.39
